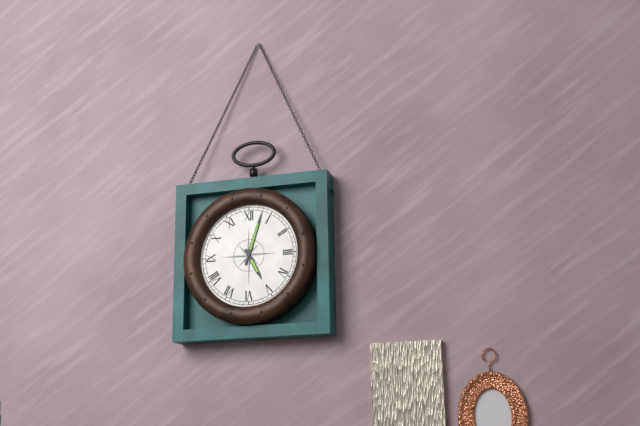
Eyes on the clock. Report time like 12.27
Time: 5.03
